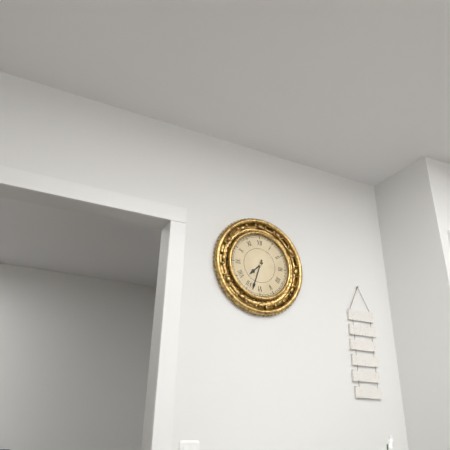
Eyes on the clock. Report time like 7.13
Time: 7.33
